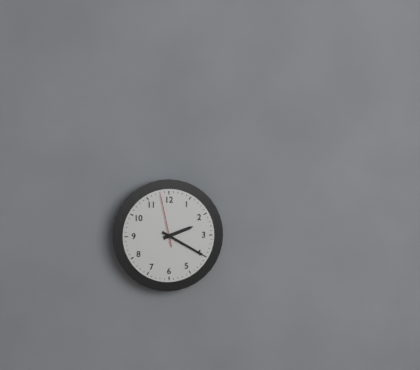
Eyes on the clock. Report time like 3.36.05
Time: 2.20.58
